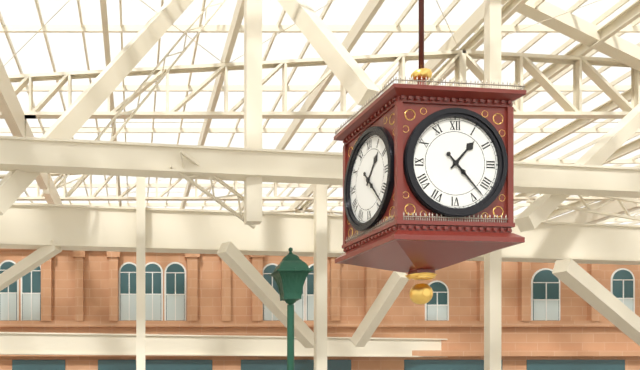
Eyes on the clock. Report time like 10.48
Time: 1.23
